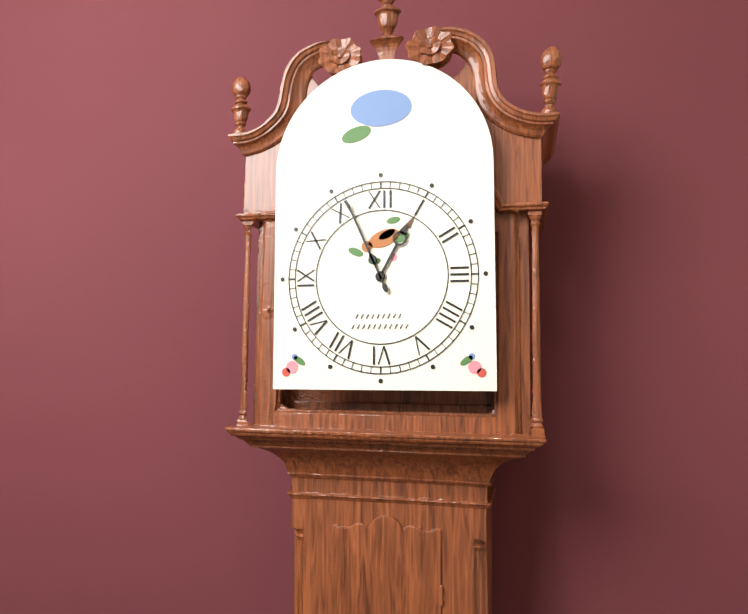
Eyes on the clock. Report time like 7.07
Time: 12.56
